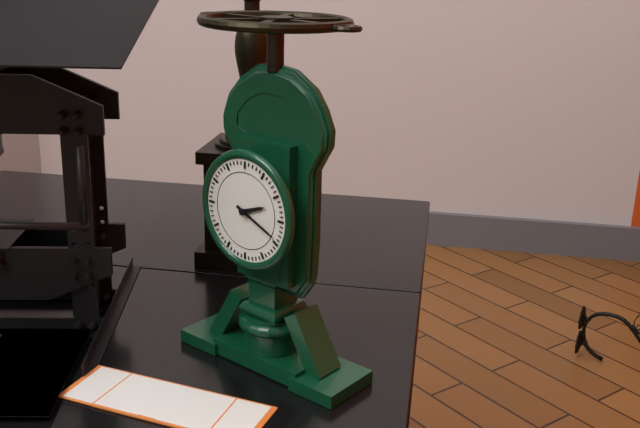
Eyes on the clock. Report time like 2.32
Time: 2.19
